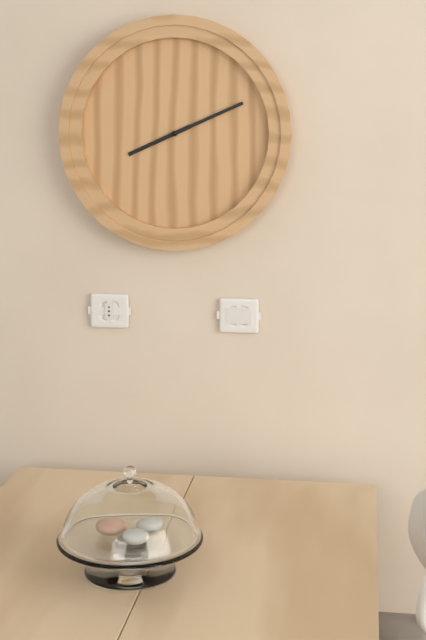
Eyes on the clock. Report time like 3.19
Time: 8.11
